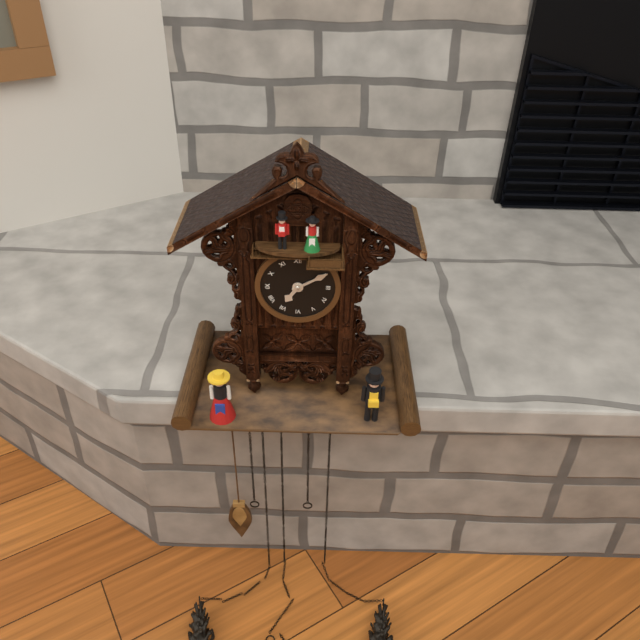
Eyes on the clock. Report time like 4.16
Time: 7.10
